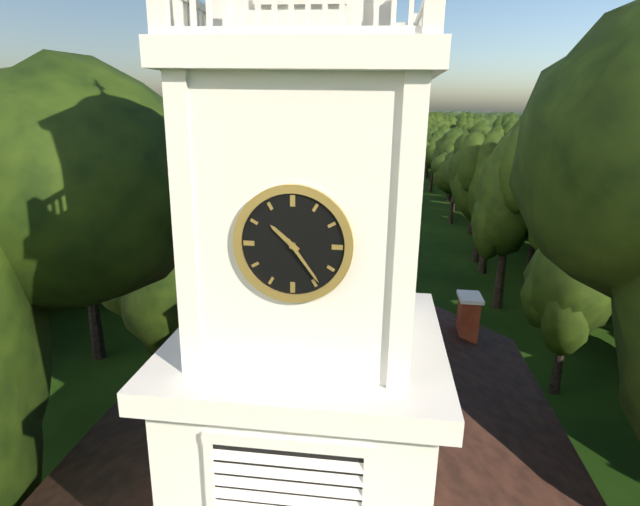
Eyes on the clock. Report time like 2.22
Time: 10.24
